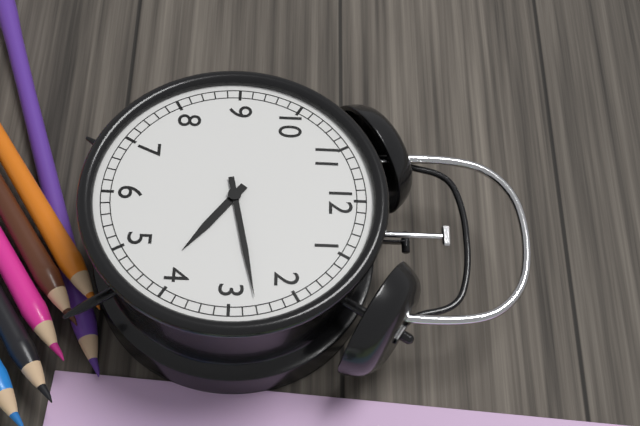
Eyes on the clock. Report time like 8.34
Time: 4.13
